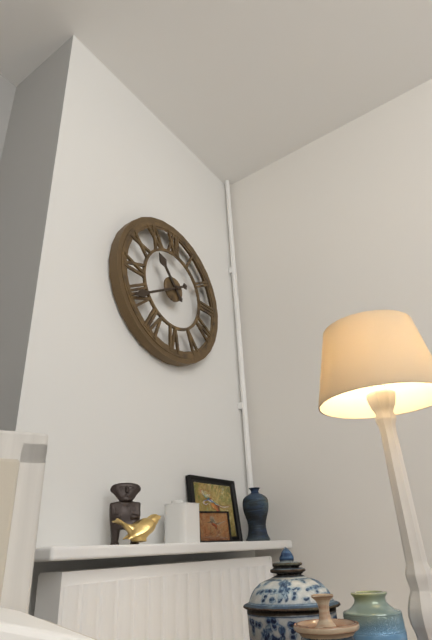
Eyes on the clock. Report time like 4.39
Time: 10.40
